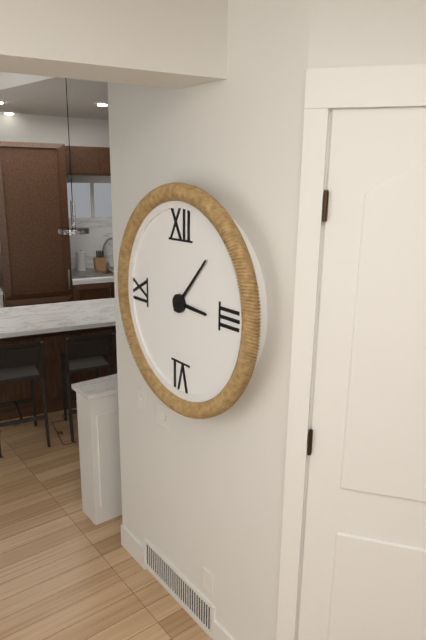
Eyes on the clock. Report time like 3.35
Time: 3.07
